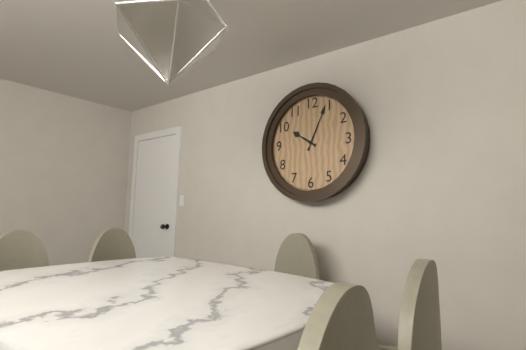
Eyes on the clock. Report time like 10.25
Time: 10.04
